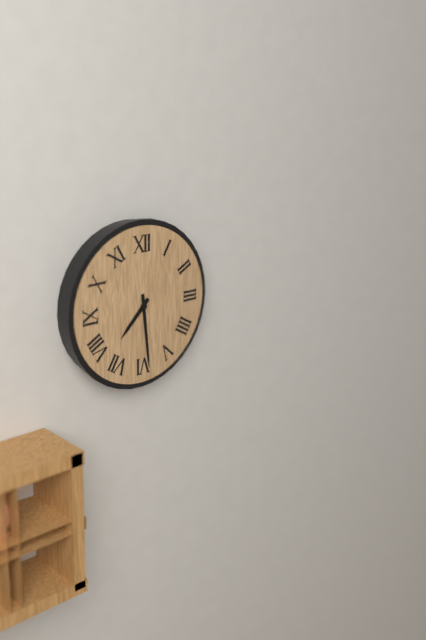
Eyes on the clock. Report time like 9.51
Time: 7.29
